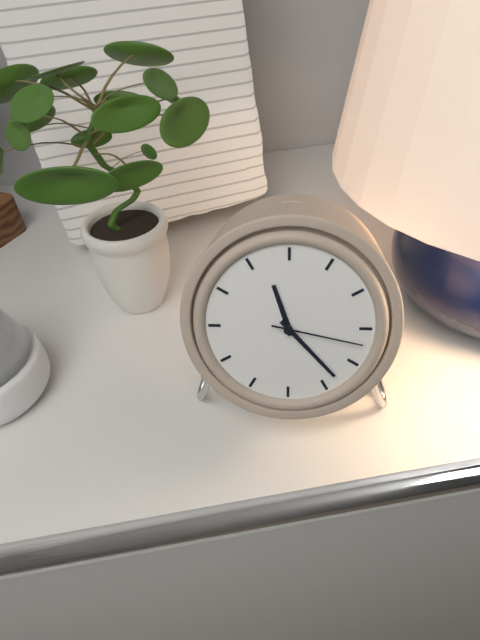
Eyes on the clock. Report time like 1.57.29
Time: 11.23.17
